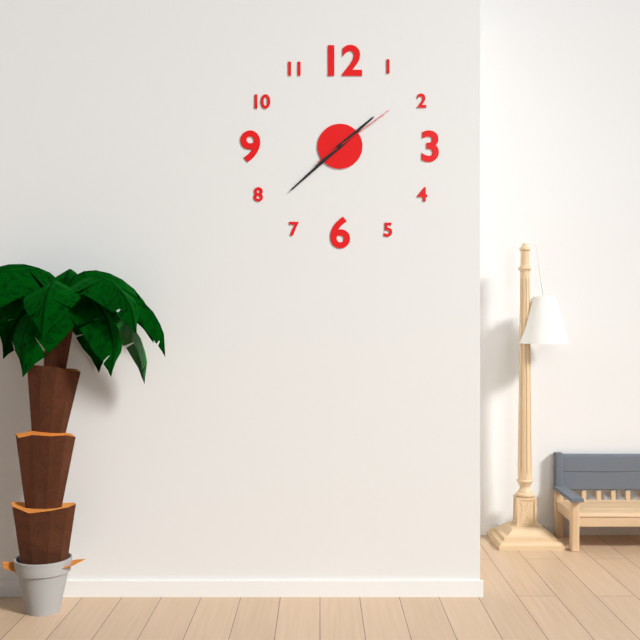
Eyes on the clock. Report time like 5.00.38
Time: 1.38.09
